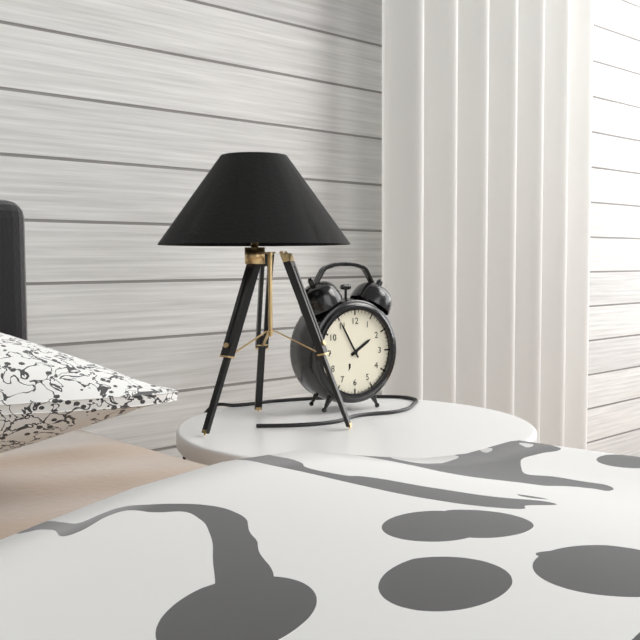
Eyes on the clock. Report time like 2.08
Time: 1.55
